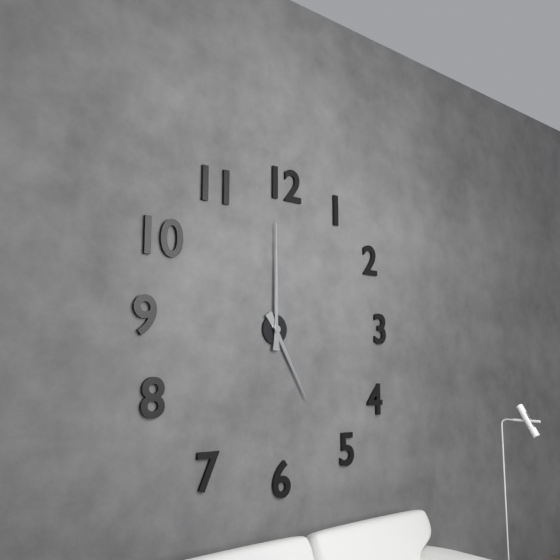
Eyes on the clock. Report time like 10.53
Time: 5.00
